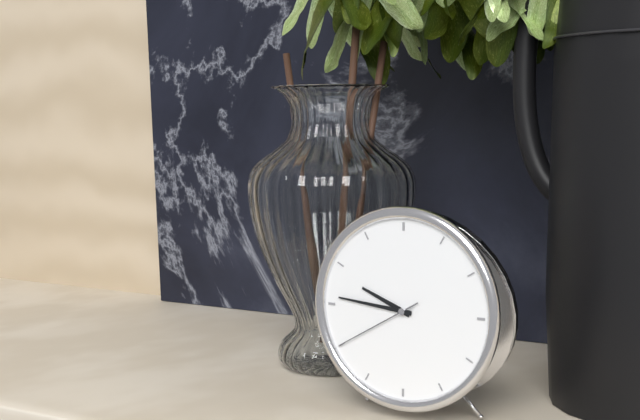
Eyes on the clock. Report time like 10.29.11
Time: 9.46.40
